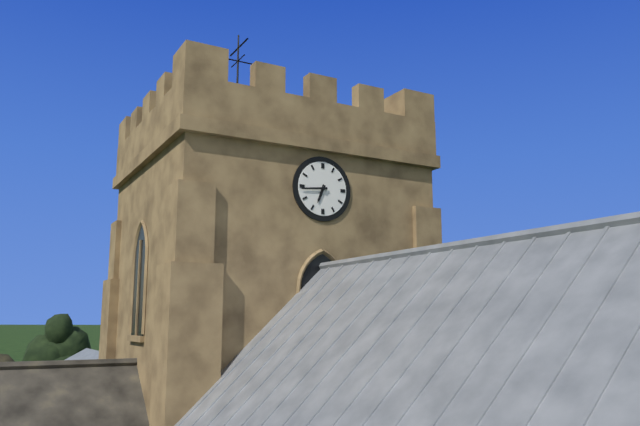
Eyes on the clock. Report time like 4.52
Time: 6.44
